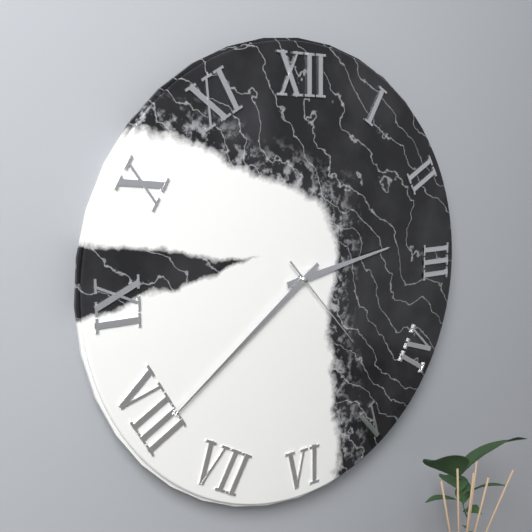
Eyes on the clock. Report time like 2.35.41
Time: 2.39.23
